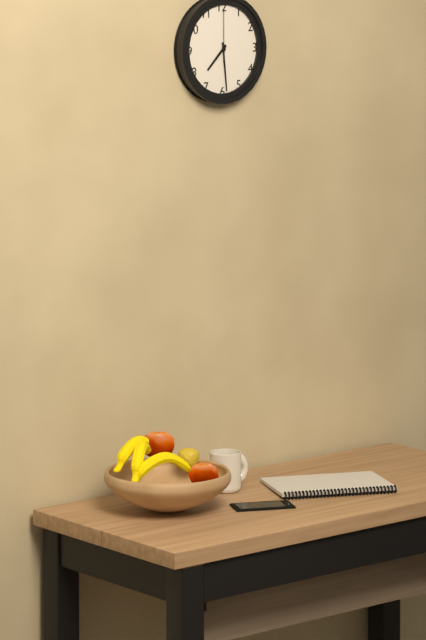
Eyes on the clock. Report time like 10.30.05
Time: 7.29.00
